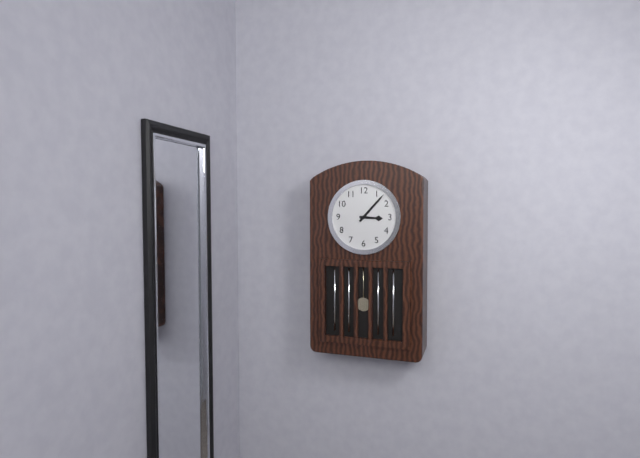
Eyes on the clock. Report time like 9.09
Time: 3.07
